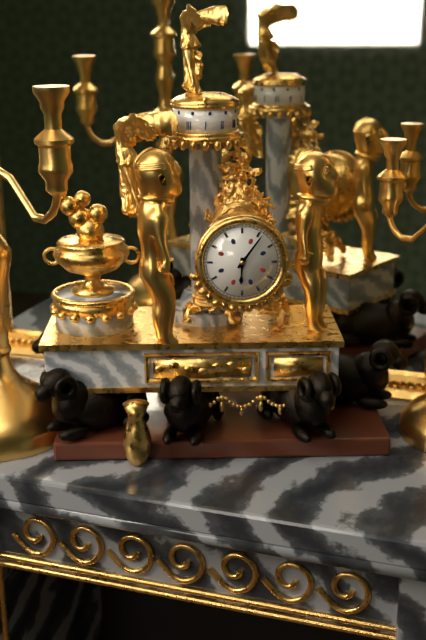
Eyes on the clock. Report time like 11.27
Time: 6.06
